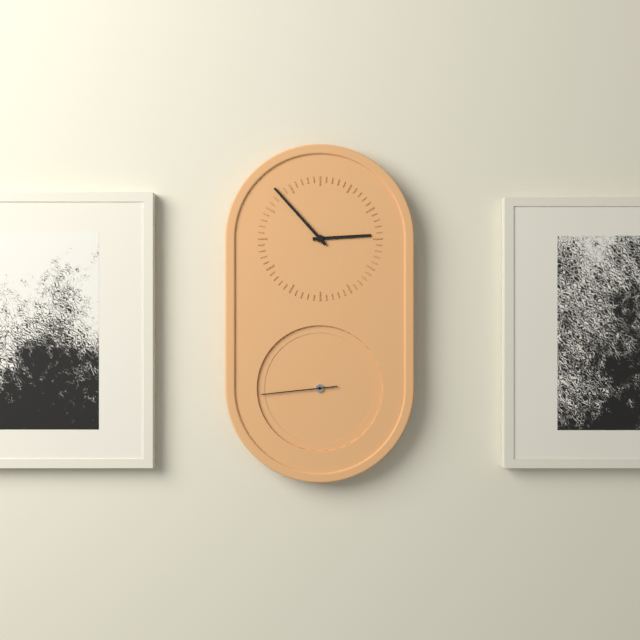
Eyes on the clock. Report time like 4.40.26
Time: 2.53.44
